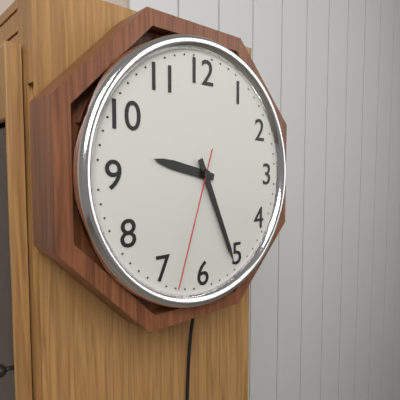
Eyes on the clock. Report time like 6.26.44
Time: 9.26.33
